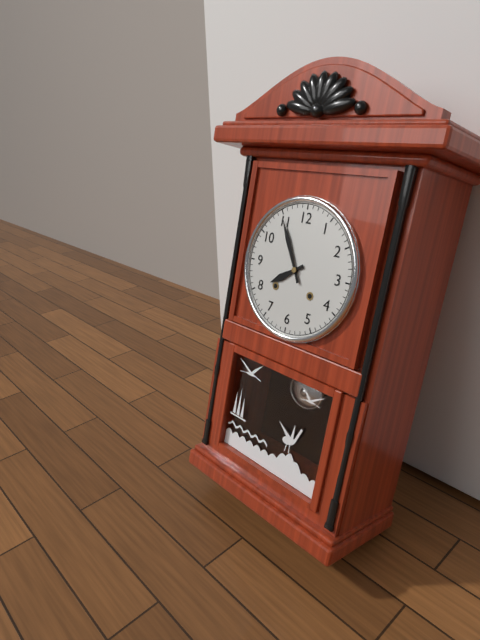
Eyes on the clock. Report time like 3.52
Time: 7.55
